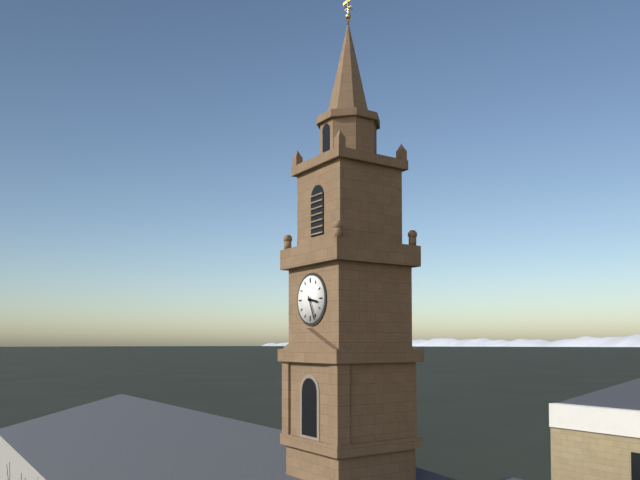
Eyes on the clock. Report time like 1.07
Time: 3.26
